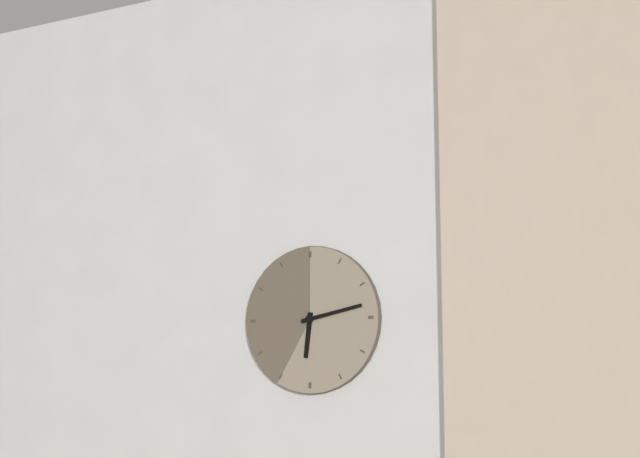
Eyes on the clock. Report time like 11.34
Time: 6.13
